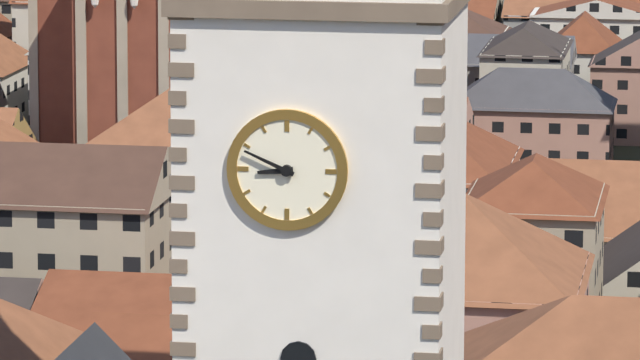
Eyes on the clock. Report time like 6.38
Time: 8.49
